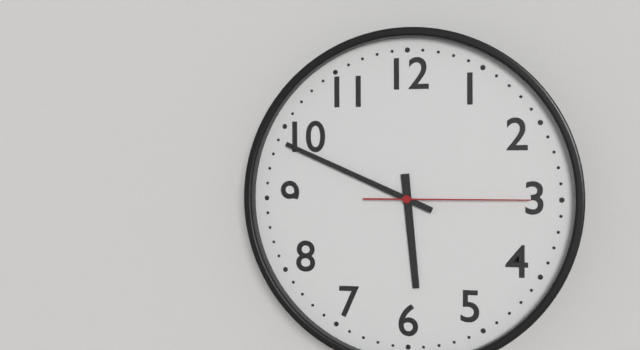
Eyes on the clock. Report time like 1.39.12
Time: 5.49.15
